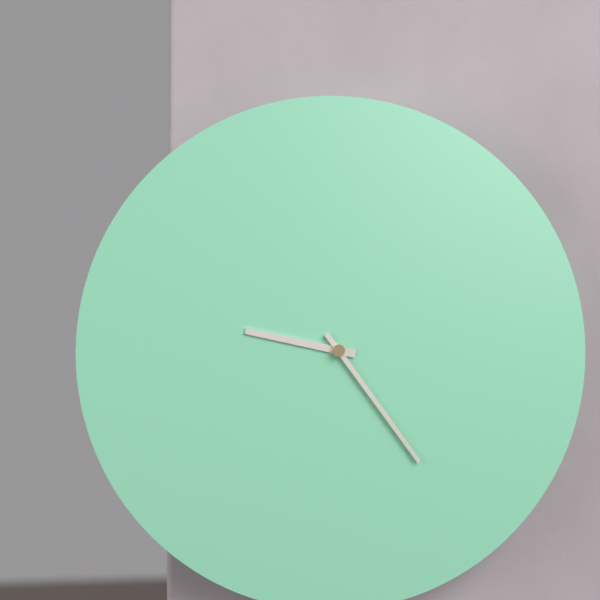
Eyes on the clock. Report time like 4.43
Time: 9.24
